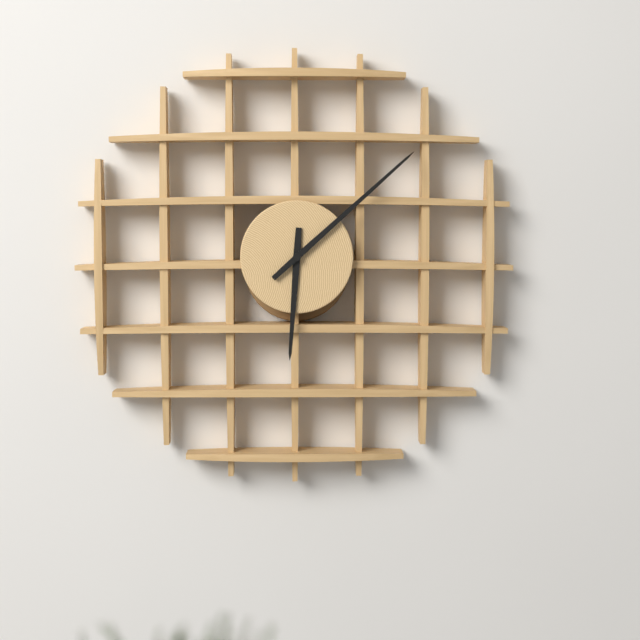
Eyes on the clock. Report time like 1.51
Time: 6.08
